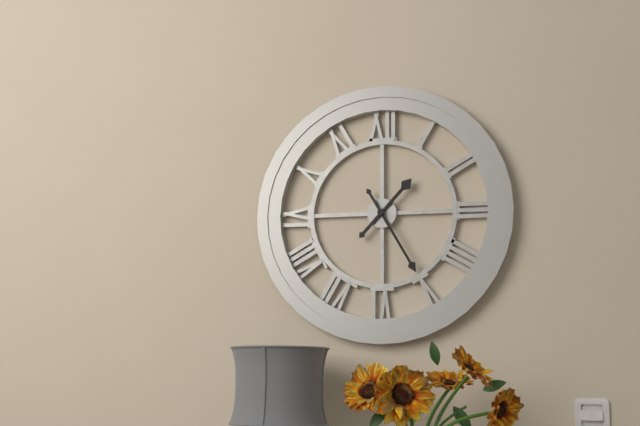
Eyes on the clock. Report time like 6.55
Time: 1.25
